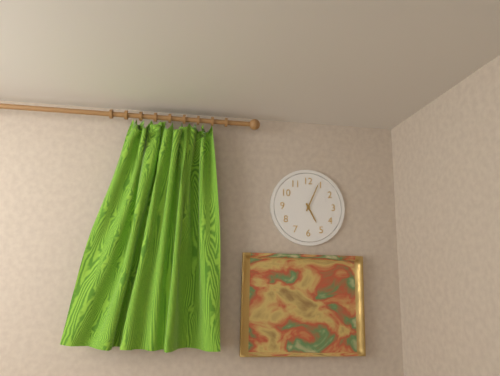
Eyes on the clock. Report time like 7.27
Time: 5.04
